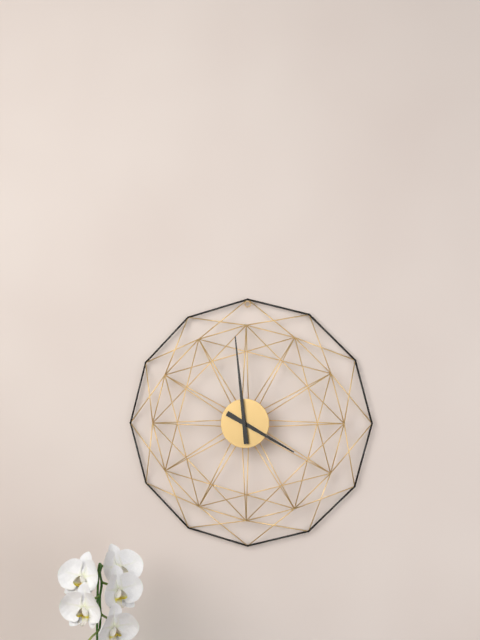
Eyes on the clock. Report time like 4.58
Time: 3.59
